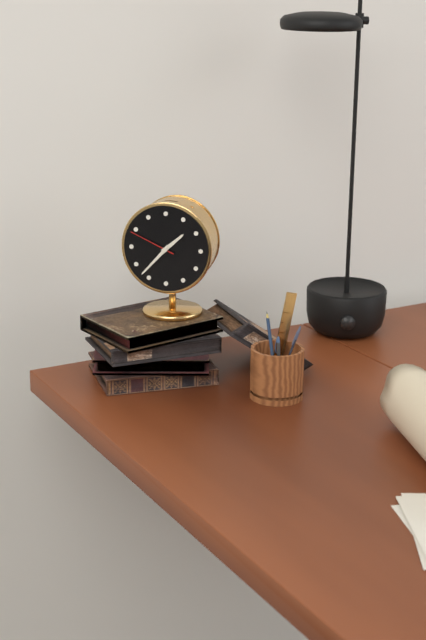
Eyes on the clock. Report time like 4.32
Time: 1.37
